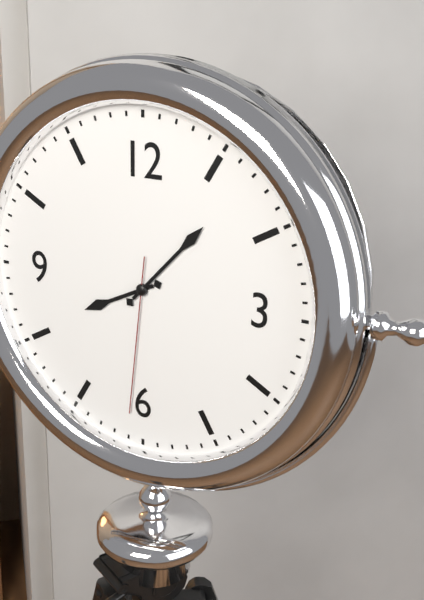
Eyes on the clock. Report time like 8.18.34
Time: 8.07.31
